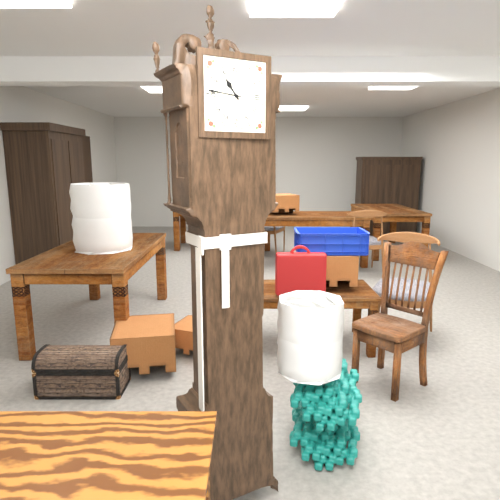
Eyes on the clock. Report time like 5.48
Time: 10.46
